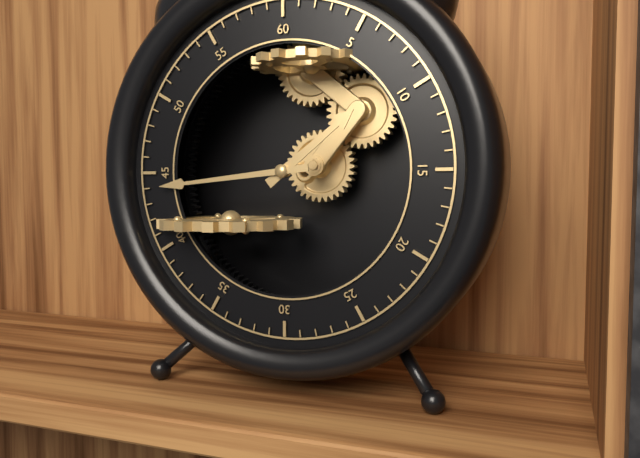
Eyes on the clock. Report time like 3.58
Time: 1.44
